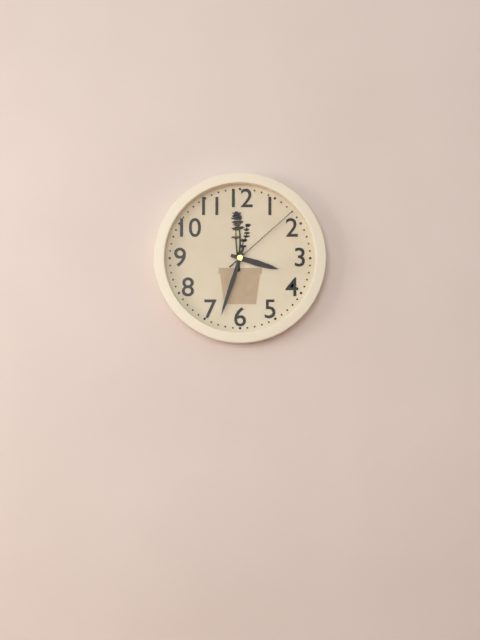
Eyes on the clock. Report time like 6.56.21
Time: 3.33.08
